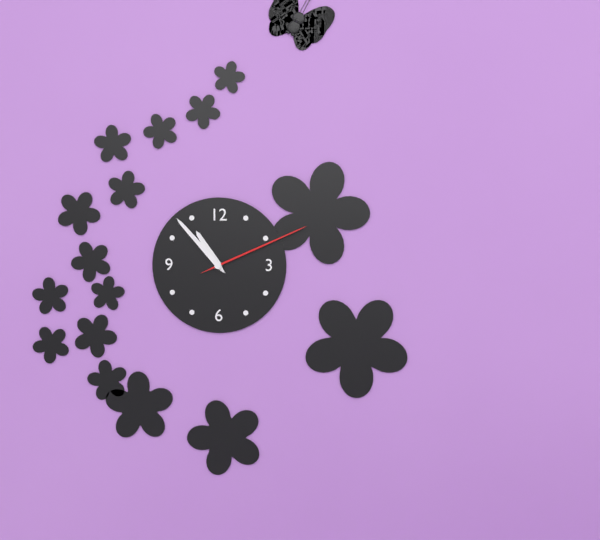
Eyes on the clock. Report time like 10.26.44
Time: 10.53.11
